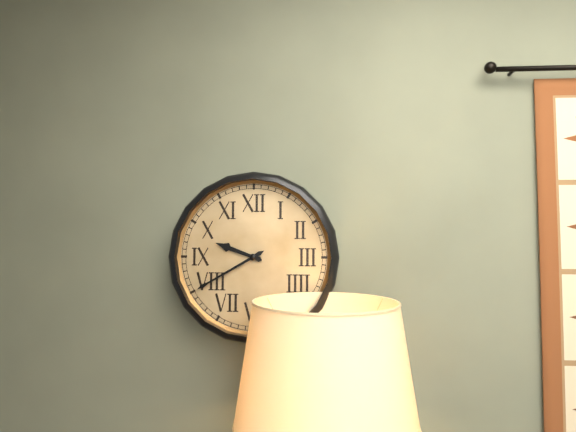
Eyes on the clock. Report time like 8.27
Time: 9.40
